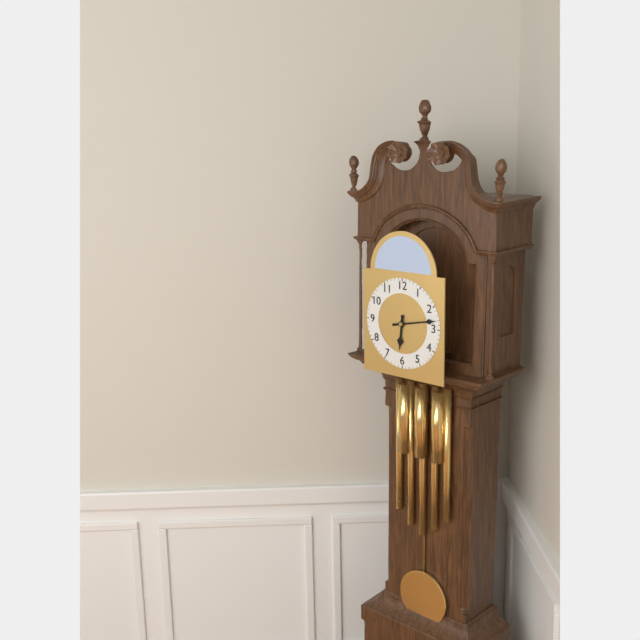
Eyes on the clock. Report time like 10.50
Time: 6.13
